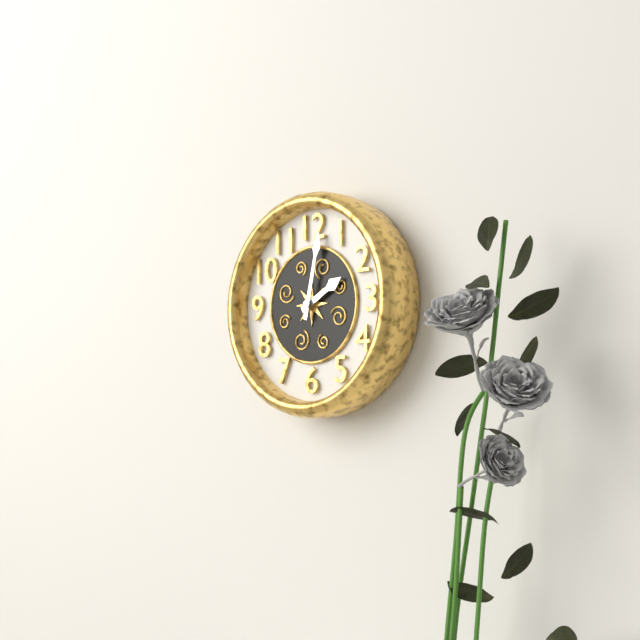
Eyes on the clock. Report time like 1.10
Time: 2.02
